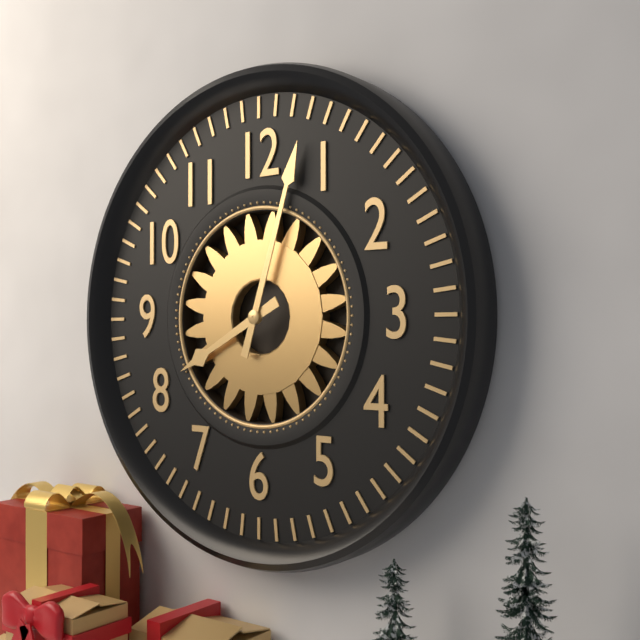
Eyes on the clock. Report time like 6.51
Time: 8.03
